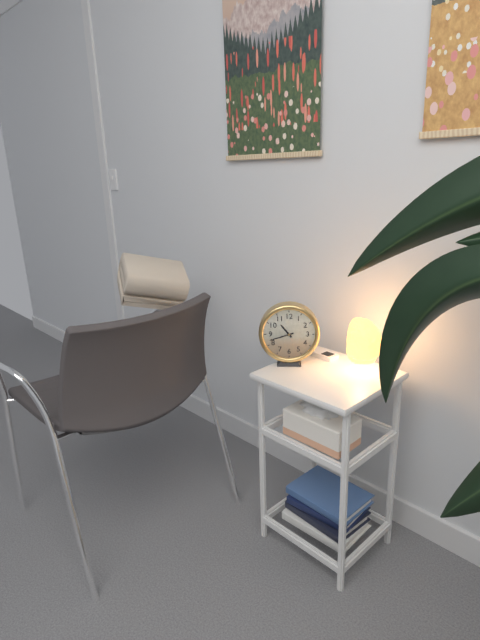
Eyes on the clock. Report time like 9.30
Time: 10.42
